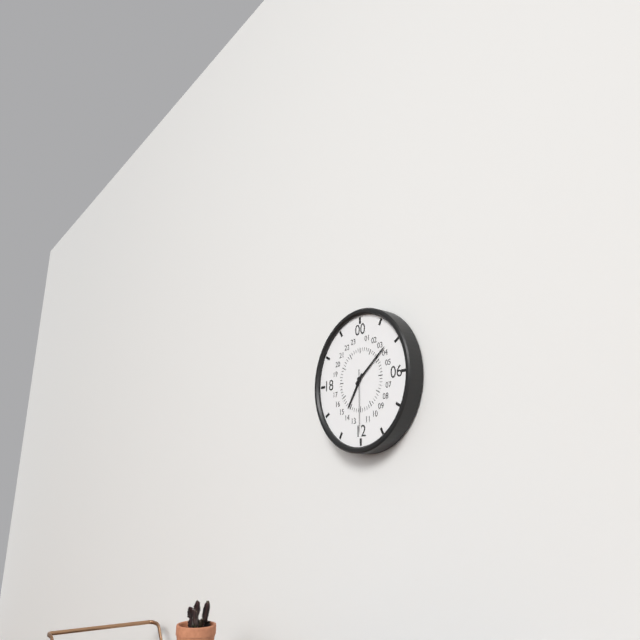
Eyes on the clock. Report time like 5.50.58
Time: 7.09.30
